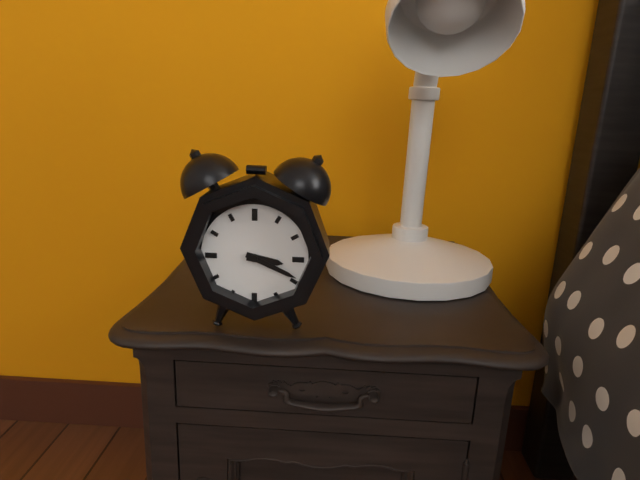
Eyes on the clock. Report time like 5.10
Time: 3.19
